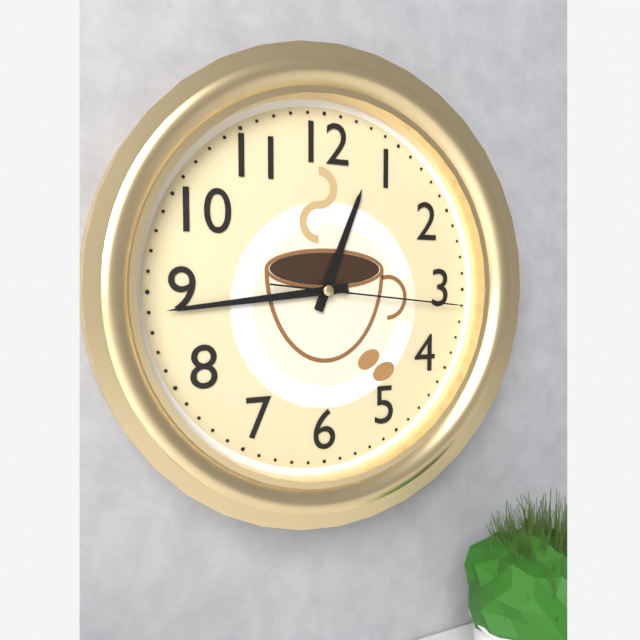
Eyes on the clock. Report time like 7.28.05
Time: 12.44.16
